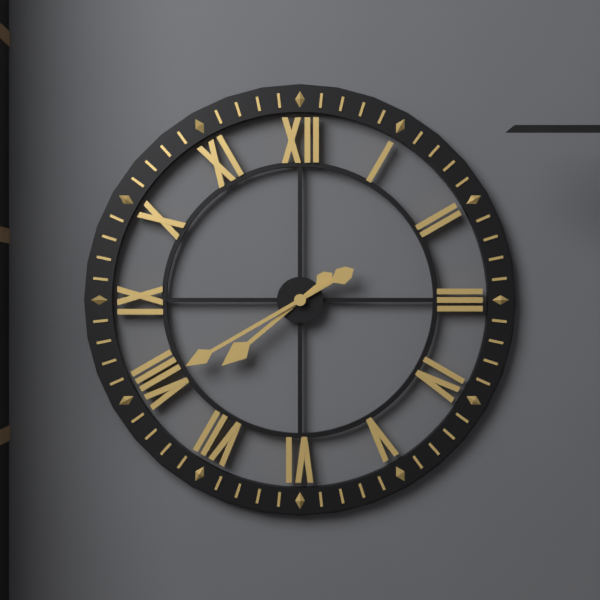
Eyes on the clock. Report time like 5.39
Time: 7.40
